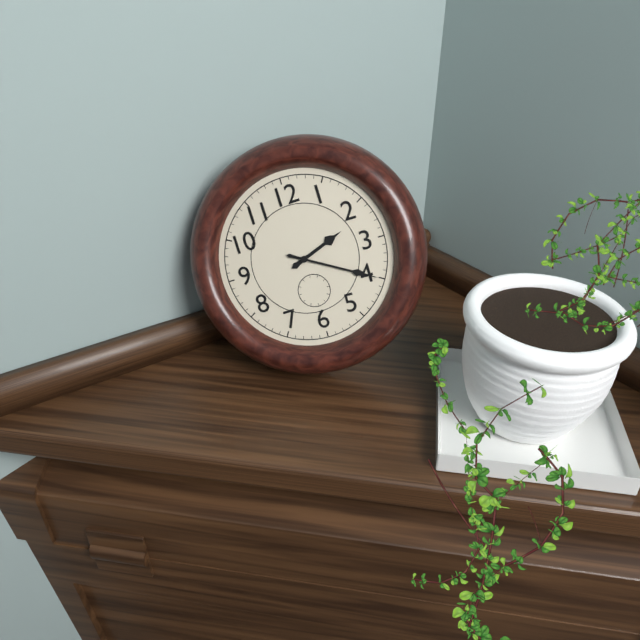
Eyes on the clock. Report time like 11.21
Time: 2.20
